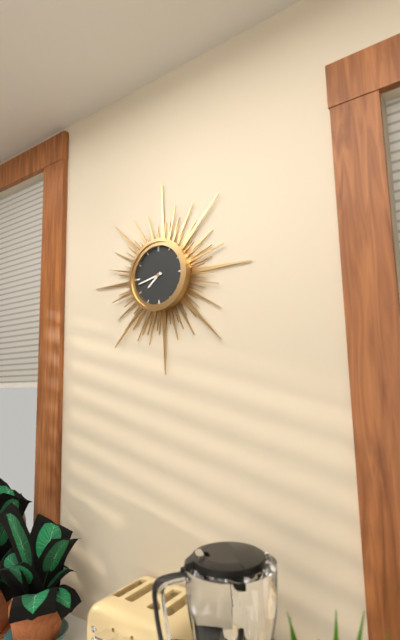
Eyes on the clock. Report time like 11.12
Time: 7.43
